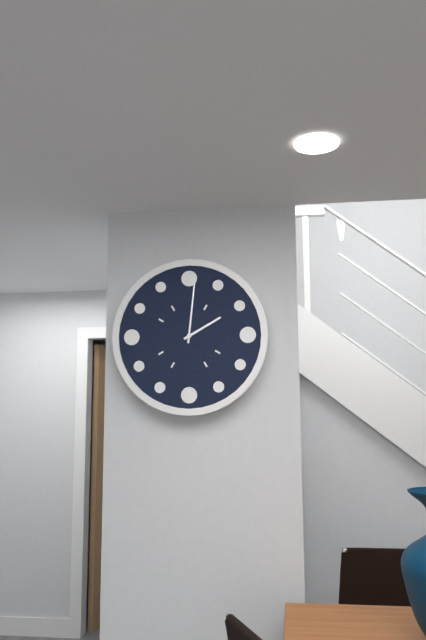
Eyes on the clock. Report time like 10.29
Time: 2.01
